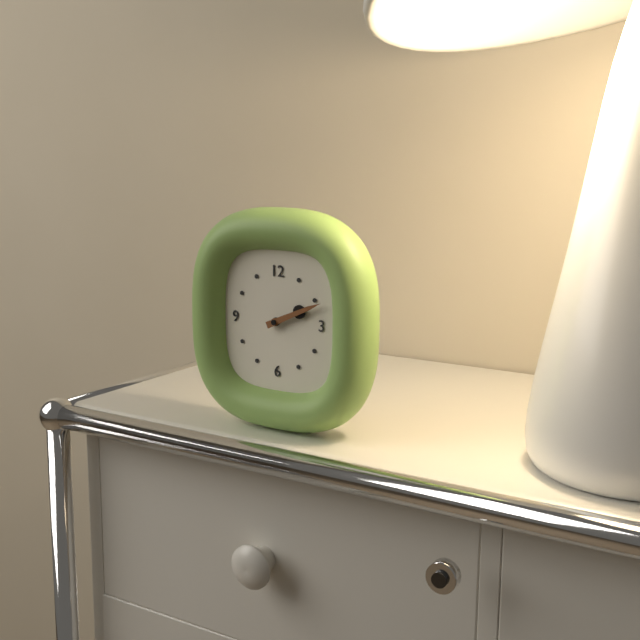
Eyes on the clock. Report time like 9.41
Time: 2.11
